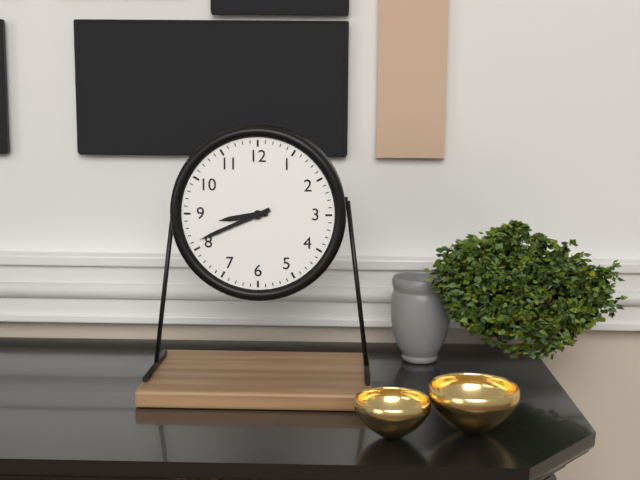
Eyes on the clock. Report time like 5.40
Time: 8.41
